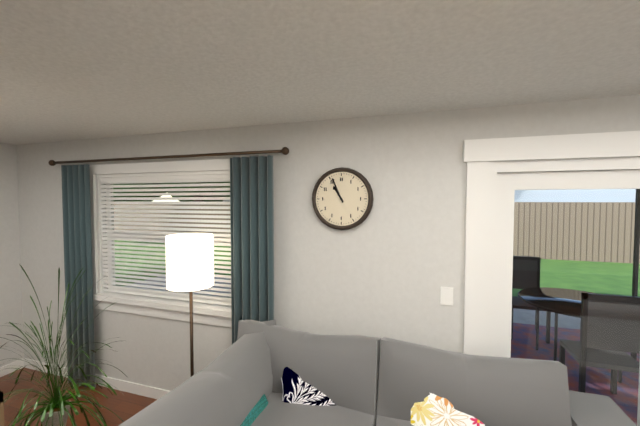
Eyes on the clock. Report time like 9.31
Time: 10.56
